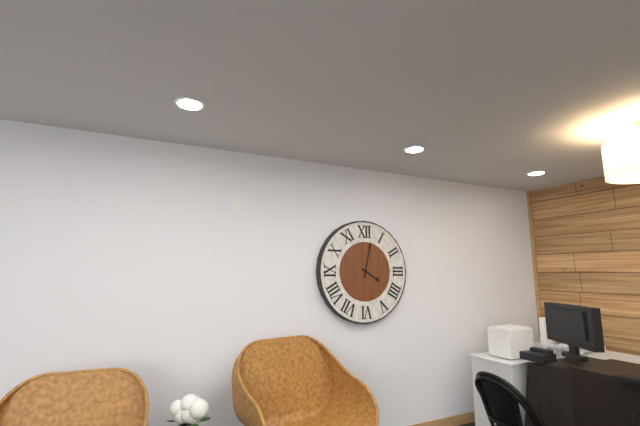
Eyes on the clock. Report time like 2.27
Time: 4.02
